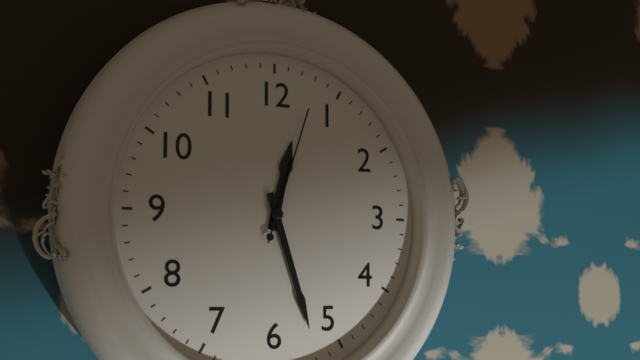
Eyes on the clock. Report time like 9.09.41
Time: 12.27.03
